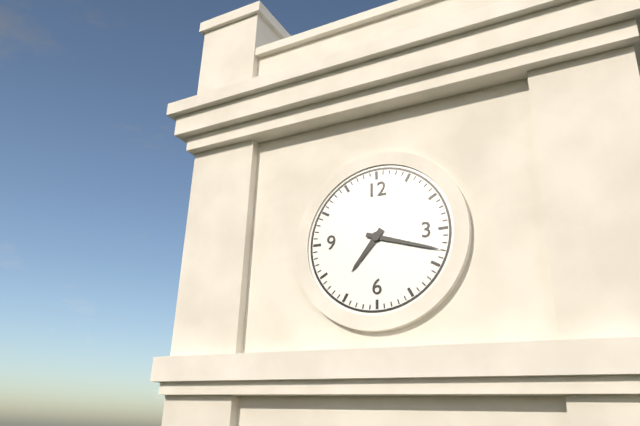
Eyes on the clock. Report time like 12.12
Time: 7.18
